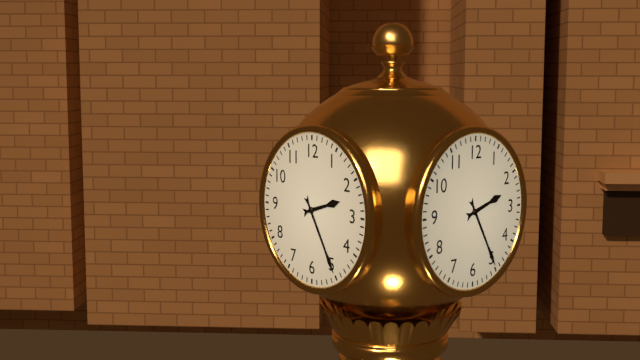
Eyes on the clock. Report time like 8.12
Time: 2.25
